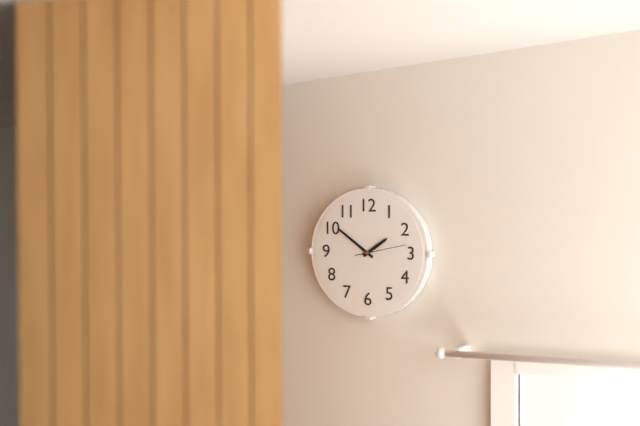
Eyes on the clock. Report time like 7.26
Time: 1.51
